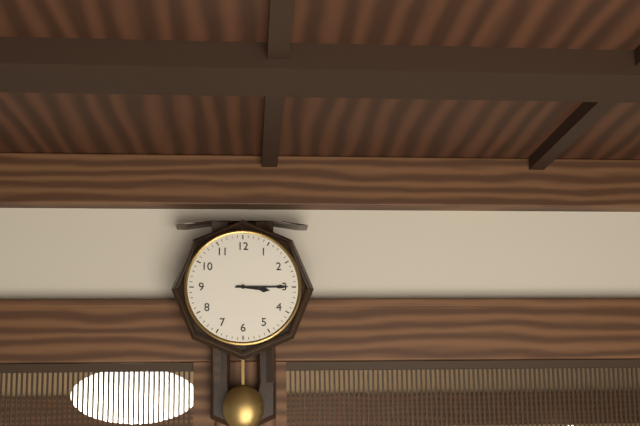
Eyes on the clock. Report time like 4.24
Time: 3.15
